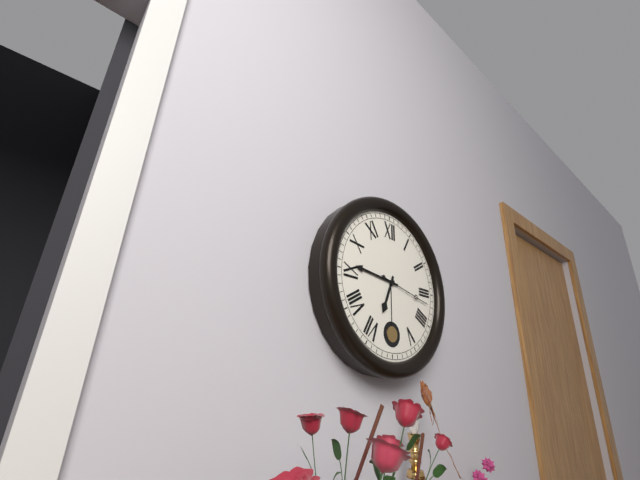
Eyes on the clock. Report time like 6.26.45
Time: 6.46.17
